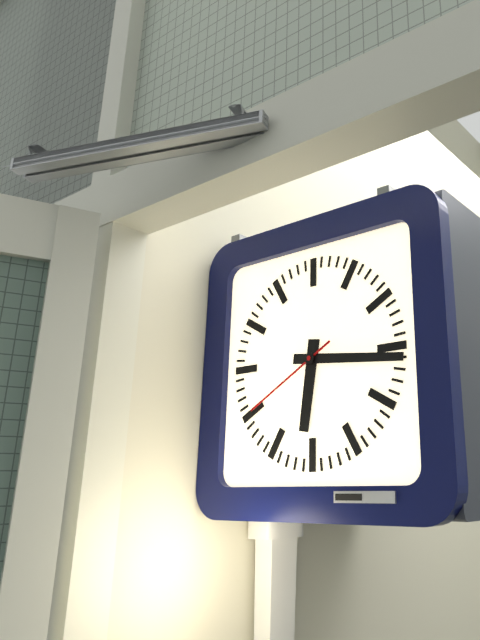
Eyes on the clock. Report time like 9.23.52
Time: 6.16.40
